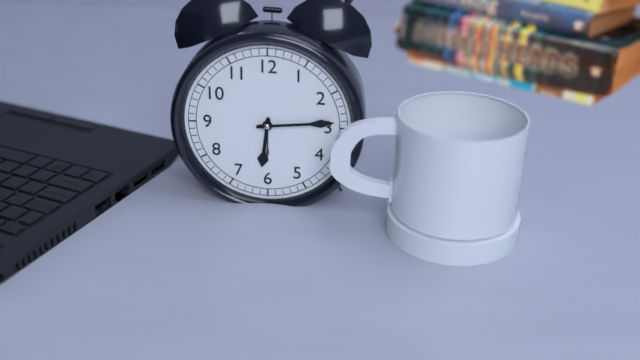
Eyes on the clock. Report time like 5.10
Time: 6.14
